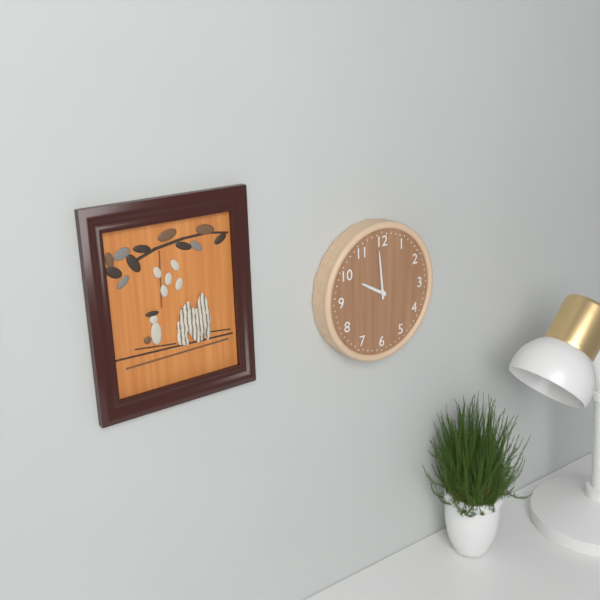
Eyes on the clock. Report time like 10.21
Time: 9.59
